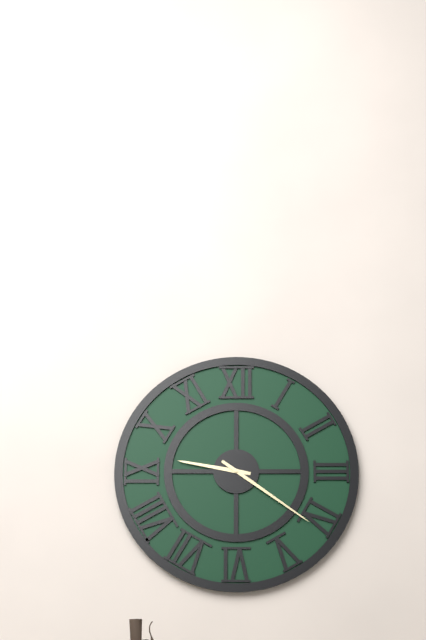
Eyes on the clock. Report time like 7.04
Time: 9.21
